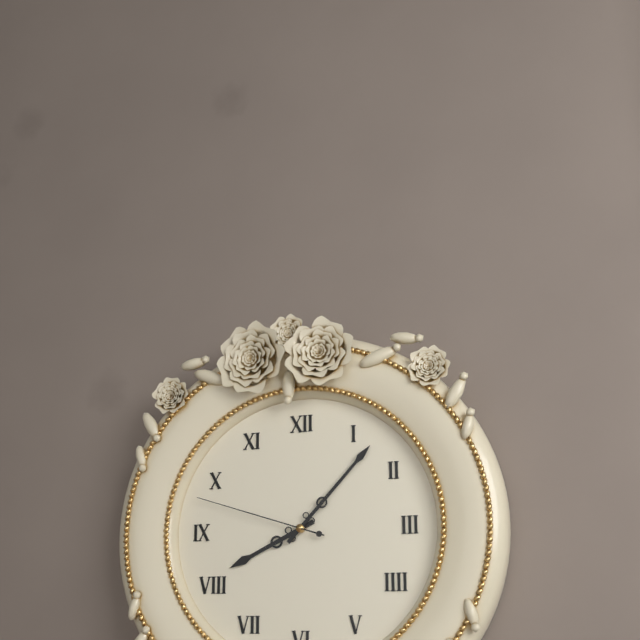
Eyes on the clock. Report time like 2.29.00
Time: 8.07.48
